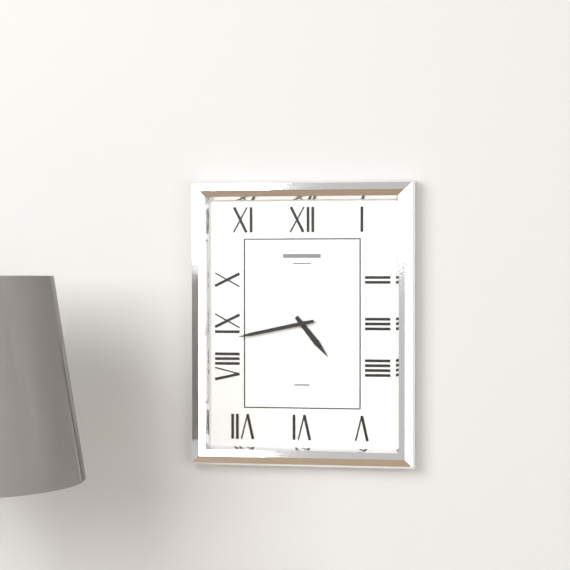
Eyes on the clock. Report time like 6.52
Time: 4.43
